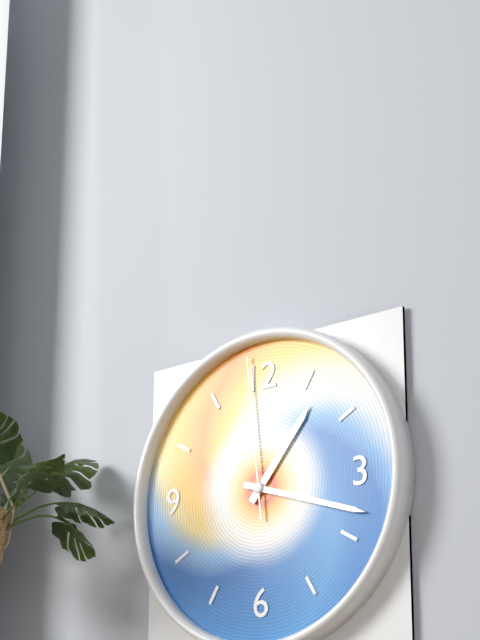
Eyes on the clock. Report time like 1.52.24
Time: 1.18.59
